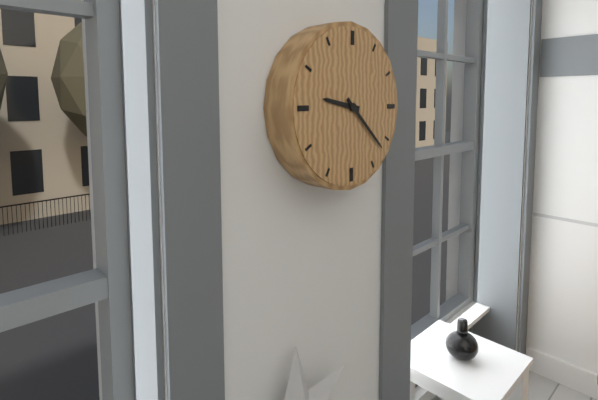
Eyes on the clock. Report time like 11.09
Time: 9.22
